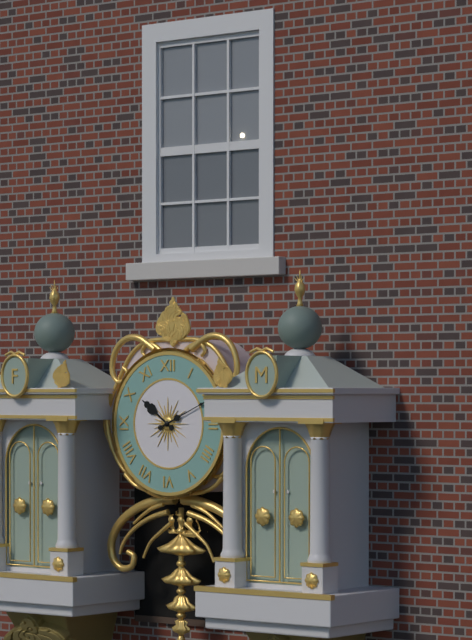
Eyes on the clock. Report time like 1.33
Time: 10.11
